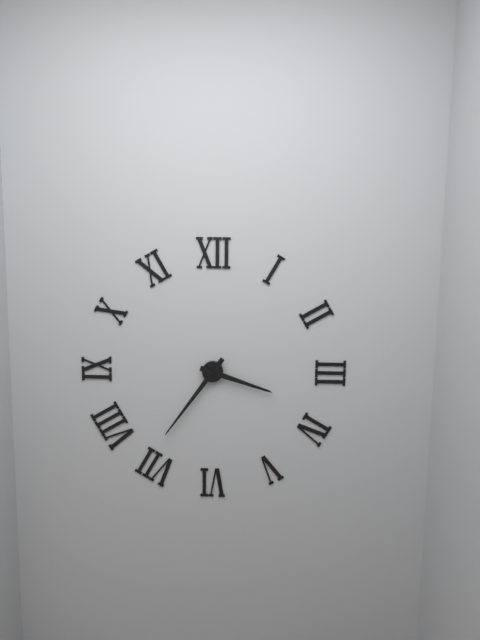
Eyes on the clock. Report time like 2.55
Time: 3.36
